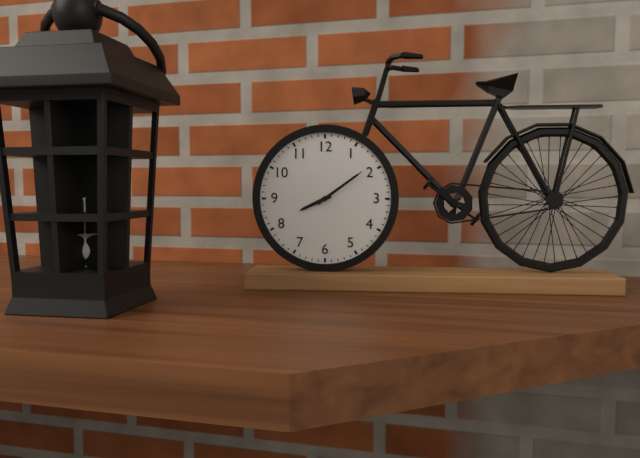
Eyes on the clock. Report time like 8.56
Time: 8.09
